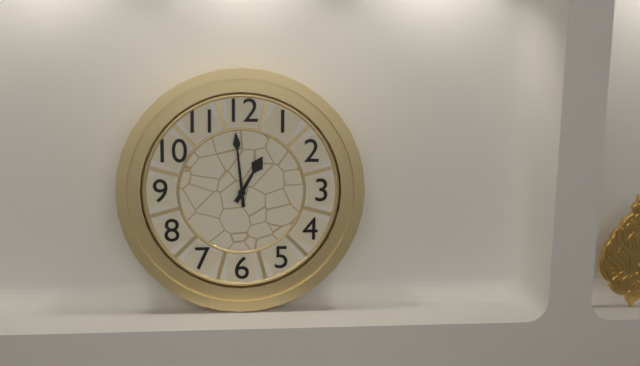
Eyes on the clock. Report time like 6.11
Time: 12.59
